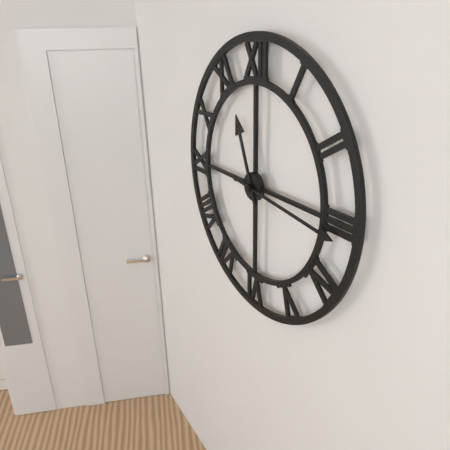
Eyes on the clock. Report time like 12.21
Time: 11.16
